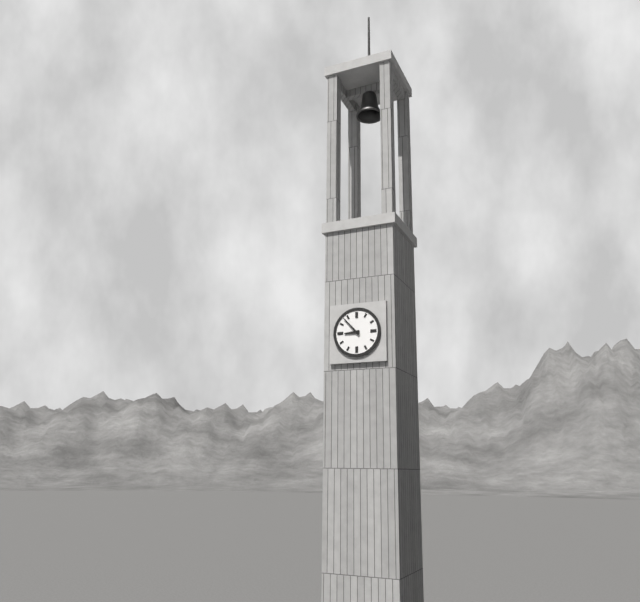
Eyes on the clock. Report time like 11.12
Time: 8.53
